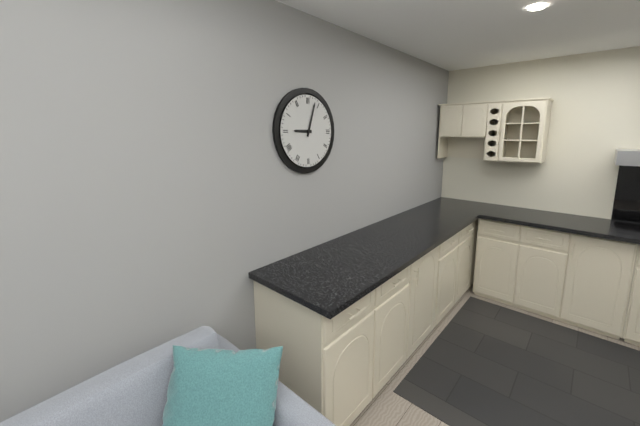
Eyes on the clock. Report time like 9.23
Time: 9.03
